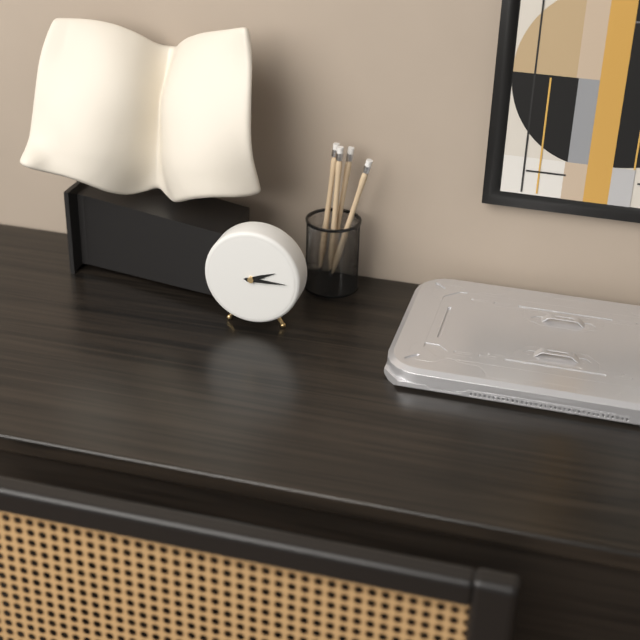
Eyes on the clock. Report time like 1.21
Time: 2.15
